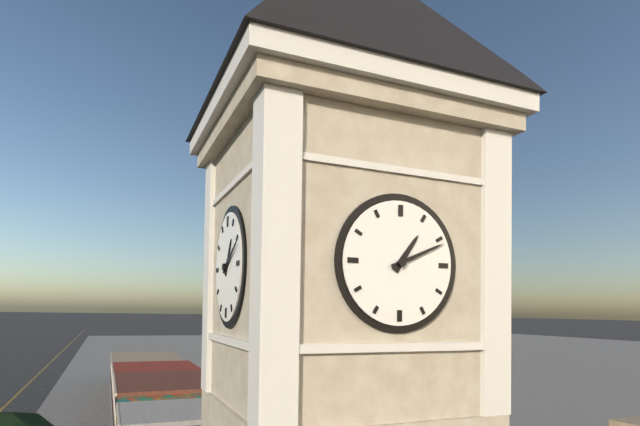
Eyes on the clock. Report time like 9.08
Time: 1.11
